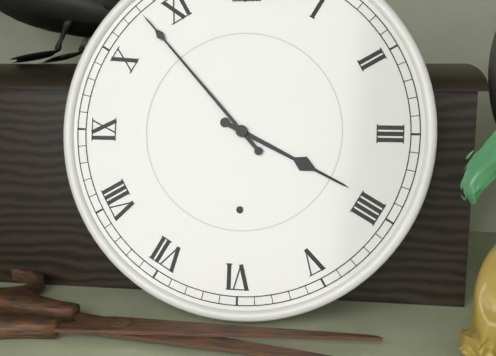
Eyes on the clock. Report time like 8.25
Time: 3.53
